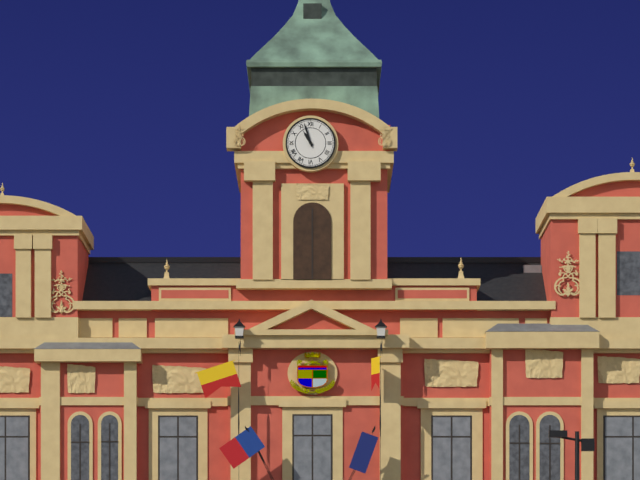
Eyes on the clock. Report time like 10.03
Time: 10.57
